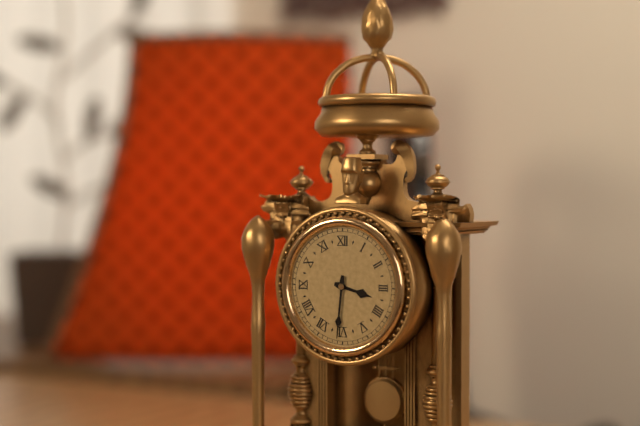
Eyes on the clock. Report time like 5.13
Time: 3.31
